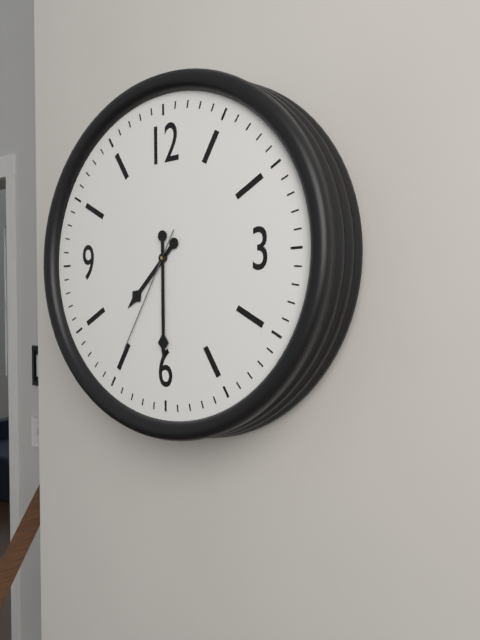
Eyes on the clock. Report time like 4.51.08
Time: 7.30.35
